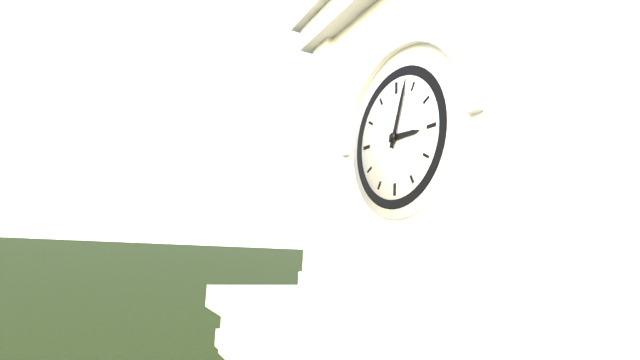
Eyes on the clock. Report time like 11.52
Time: 3.03
